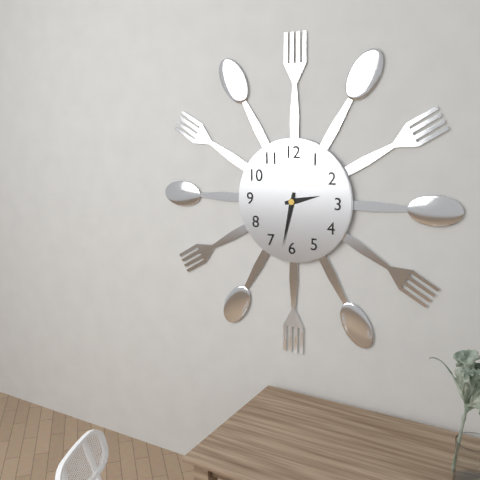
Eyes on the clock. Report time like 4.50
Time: 2.32
